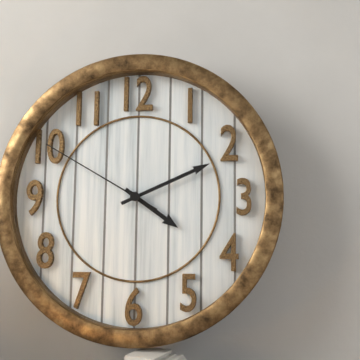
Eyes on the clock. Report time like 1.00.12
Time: 4.11.50
